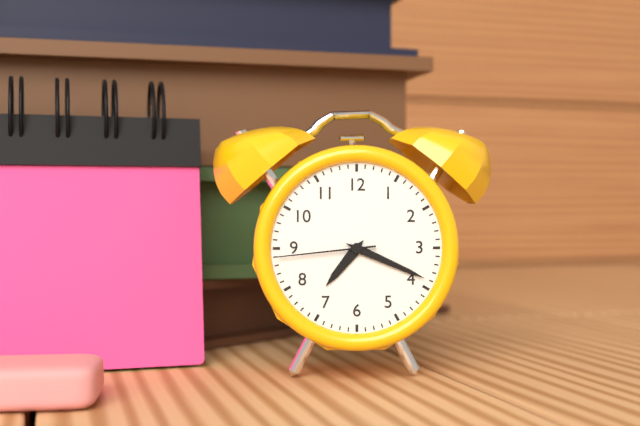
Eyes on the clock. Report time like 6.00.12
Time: 7.19.44
